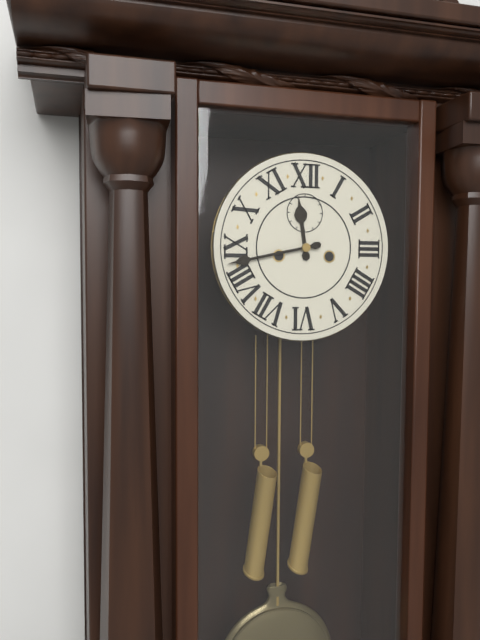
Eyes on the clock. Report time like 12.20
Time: 11.43
